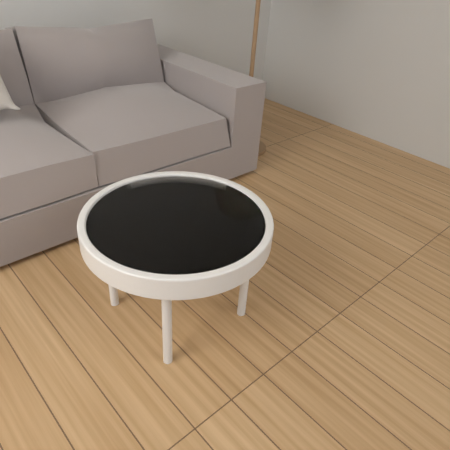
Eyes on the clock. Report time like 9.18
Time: 11.48
